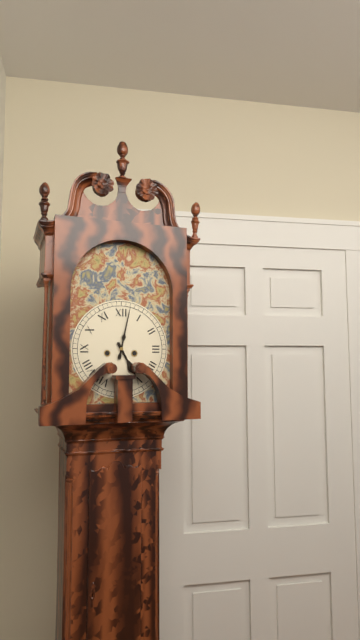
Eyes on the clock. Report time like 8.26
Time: 5.02
